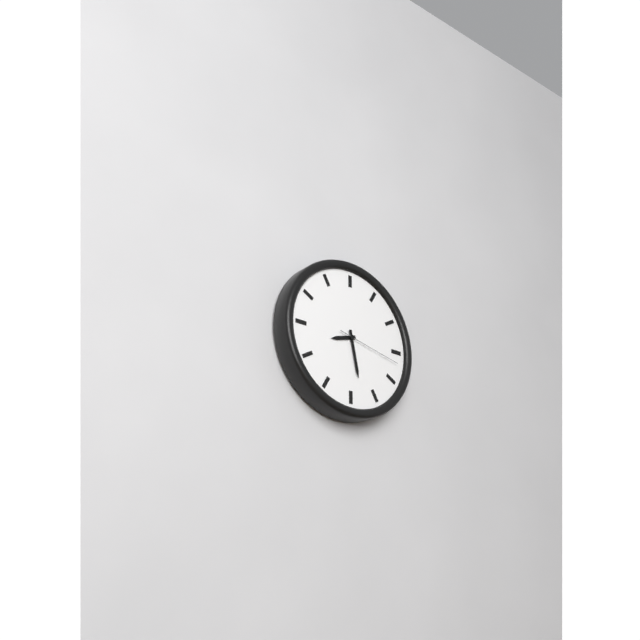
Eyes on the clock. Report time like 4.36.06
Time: 8.28.17
